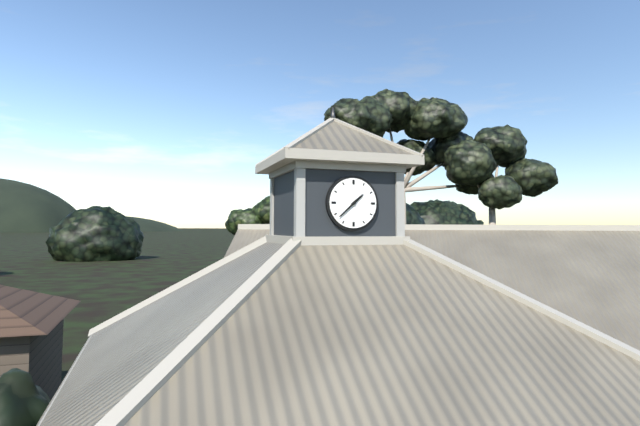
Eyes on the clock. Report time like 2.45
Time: 1.38
